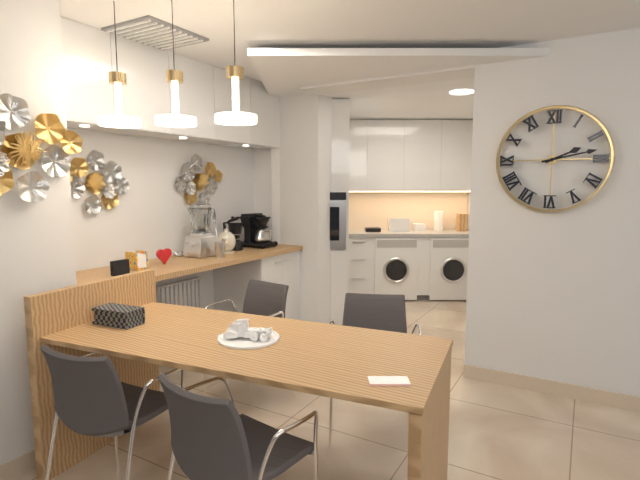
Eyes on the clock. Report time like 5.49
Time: 2.13
